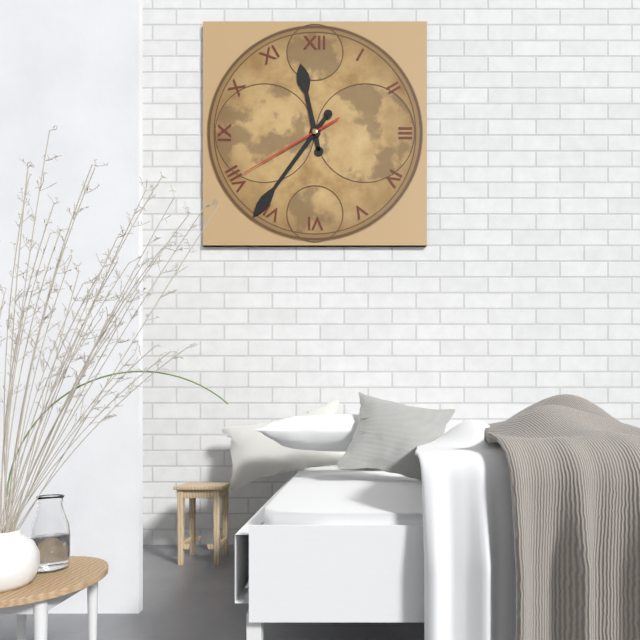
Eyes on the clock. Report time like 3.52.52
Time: 11.36.40
